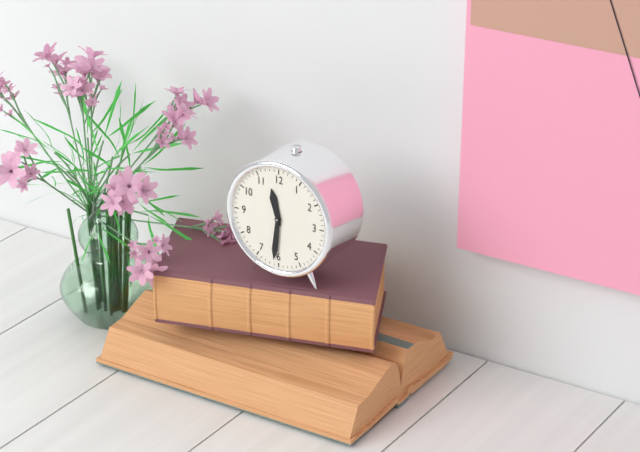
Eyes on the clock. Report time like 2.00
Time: 11.31
